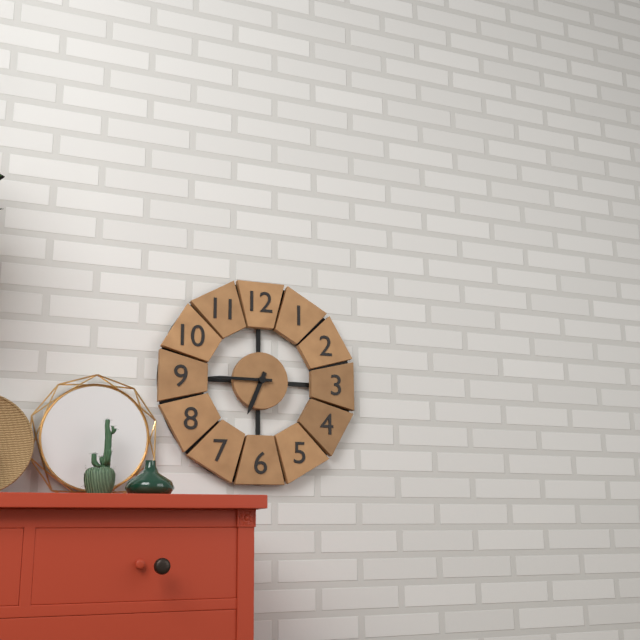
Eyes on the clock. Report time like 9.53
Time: 6.45
